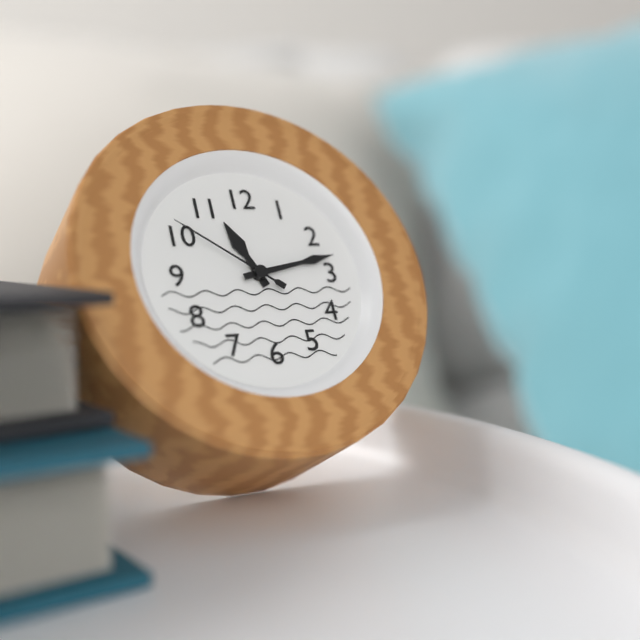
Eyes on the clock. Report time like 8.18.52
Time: 11.13.51
